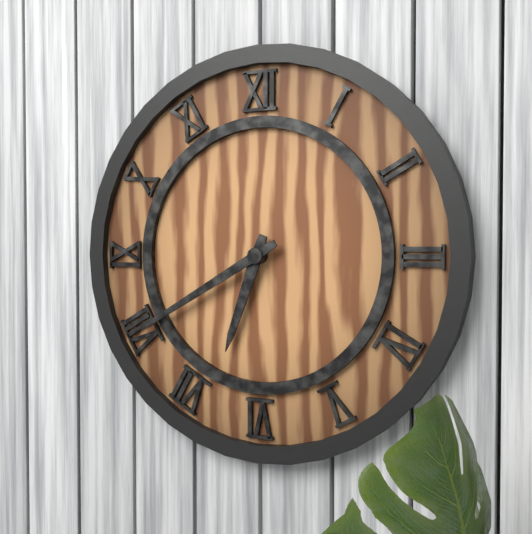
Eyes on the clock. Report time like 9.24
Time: 6.40
